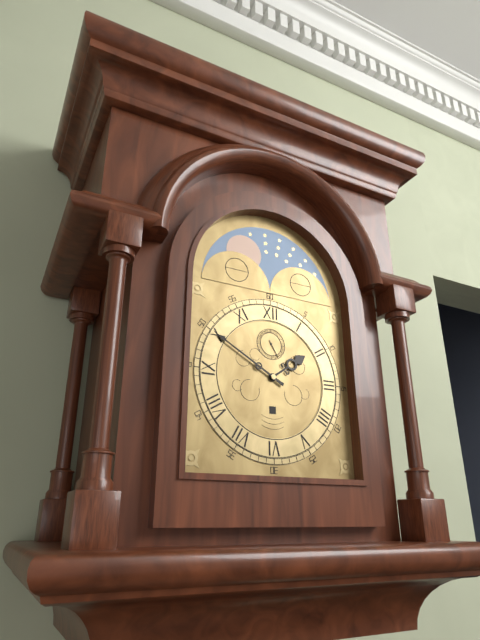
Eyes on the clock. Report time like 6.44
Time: 1.50
